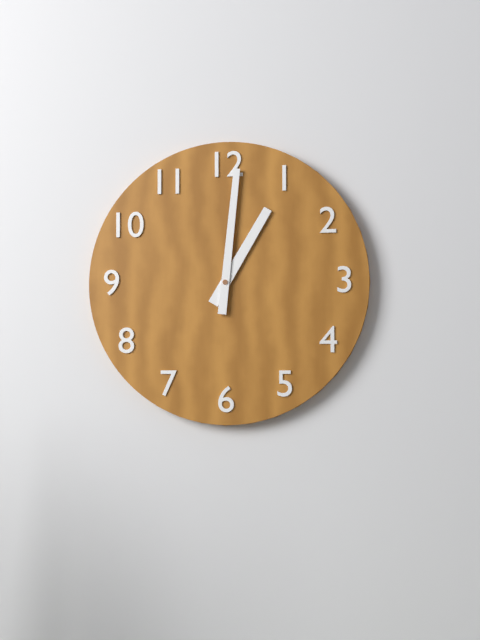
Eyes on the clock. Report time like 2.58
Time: 1.01
